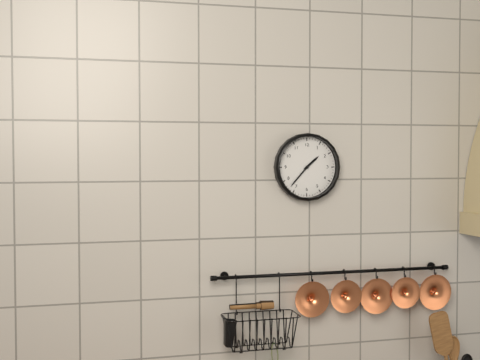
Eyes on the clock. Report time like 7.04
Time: 1.37
